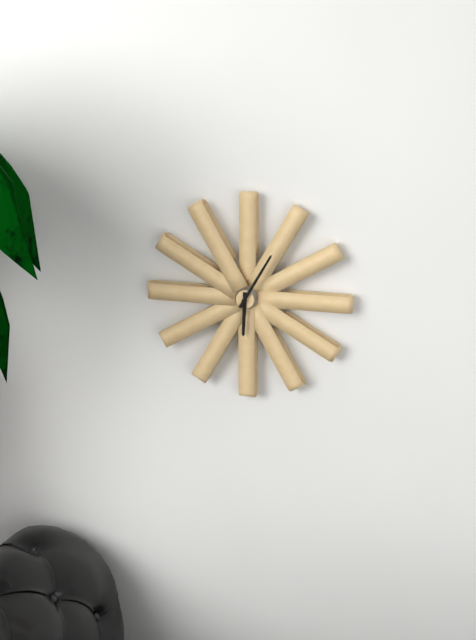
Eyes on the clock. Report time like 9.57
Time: 6.05
